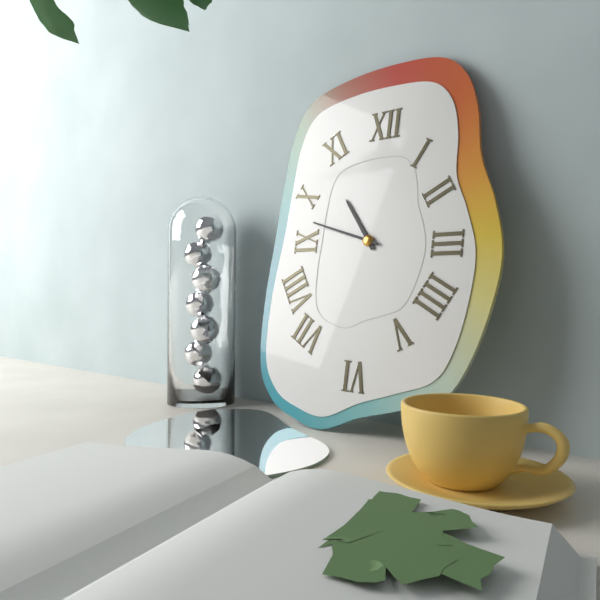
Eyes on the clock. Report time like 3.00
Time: 10.48
